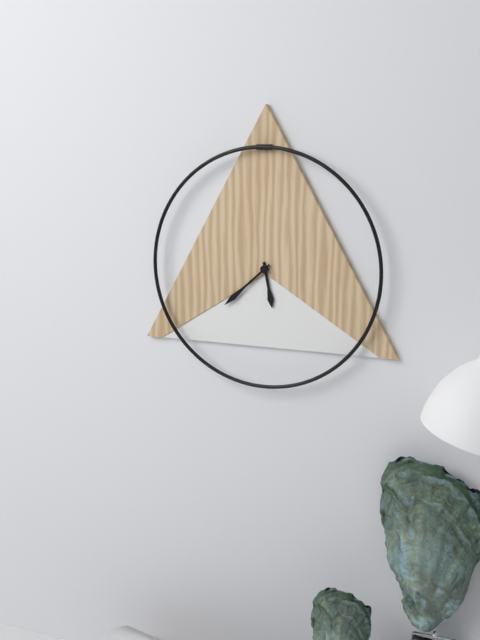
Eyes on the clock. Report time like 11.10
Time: 5.38
